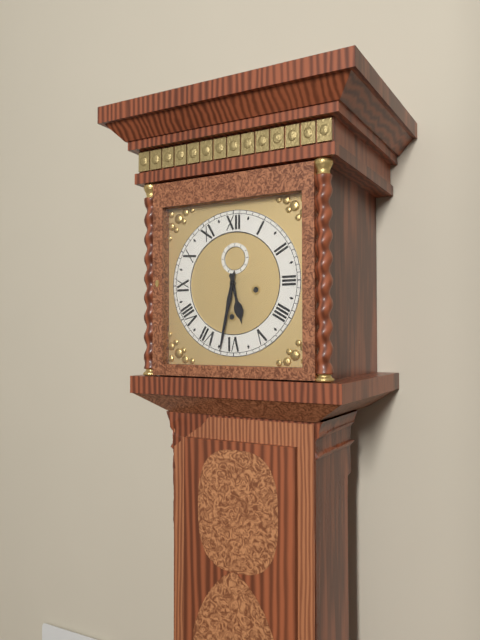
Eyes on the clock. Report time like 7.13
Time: 5.32
